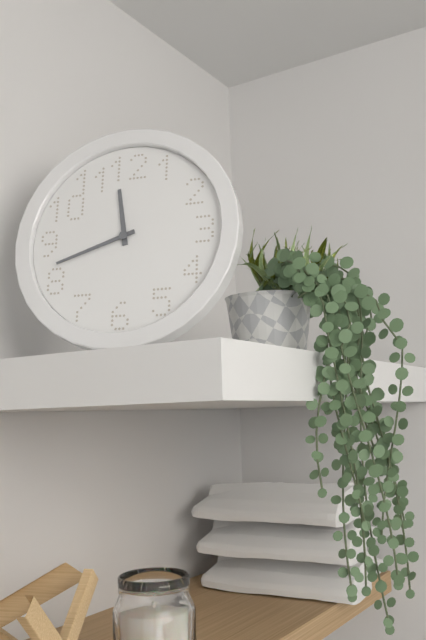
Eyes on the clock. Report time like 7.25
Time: 11.42
